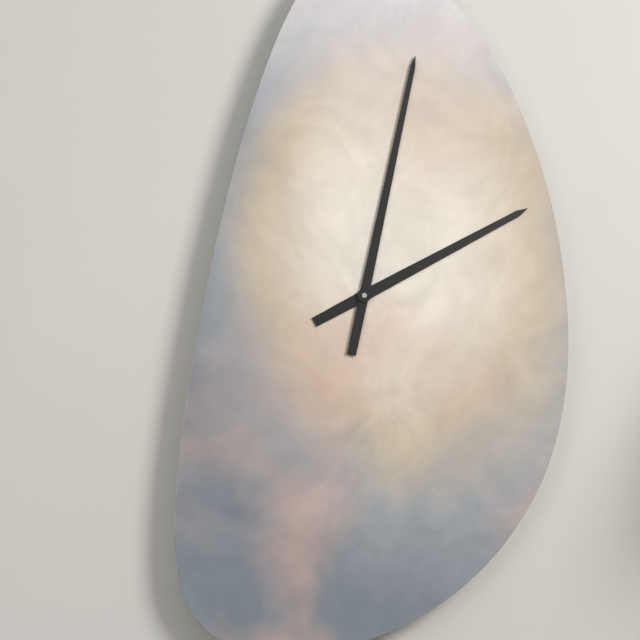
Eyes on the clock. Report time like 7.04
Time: 2.02
